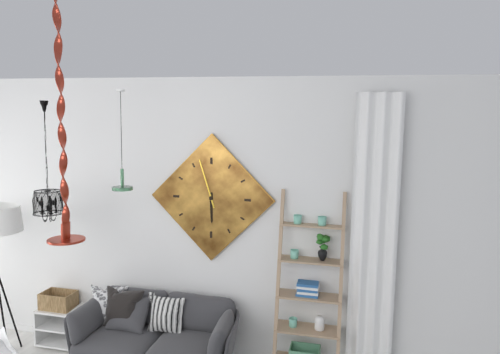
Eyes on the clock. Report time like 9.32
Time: 5.57
